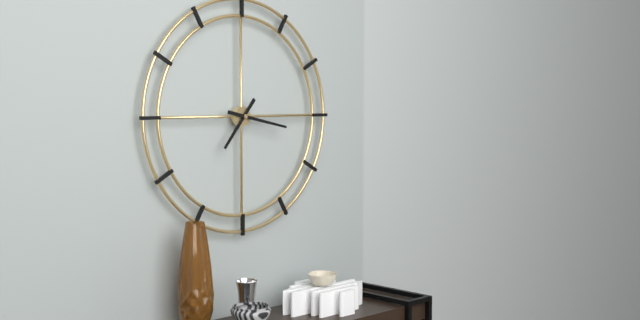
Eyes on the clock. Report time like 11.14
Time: 7.17
